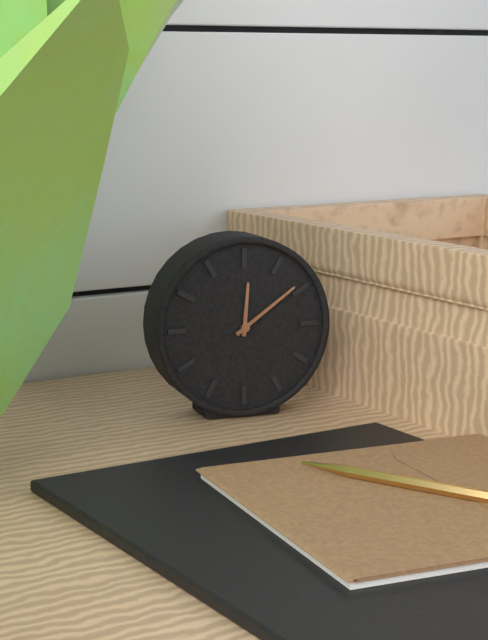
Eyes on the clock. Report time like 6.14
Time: 12.09
